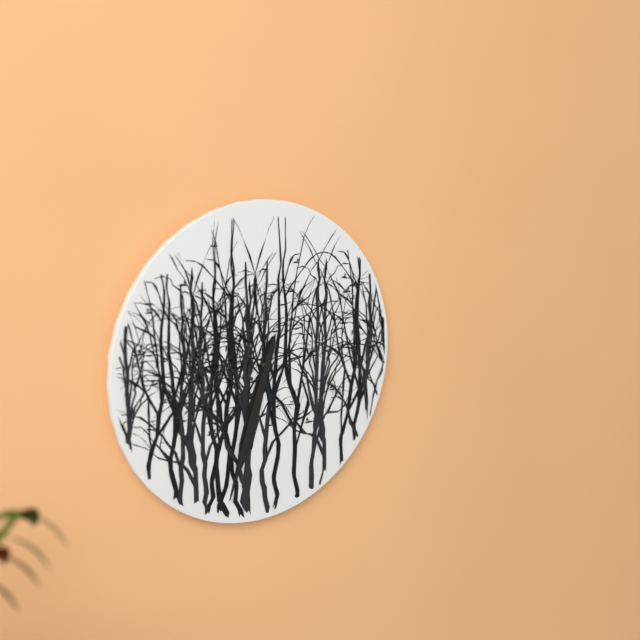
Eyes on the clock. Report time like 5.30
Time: 6.33
